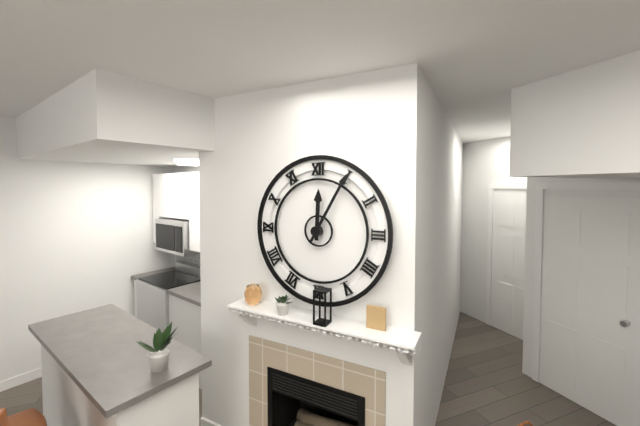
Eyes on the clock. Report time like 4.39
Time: 12.05
